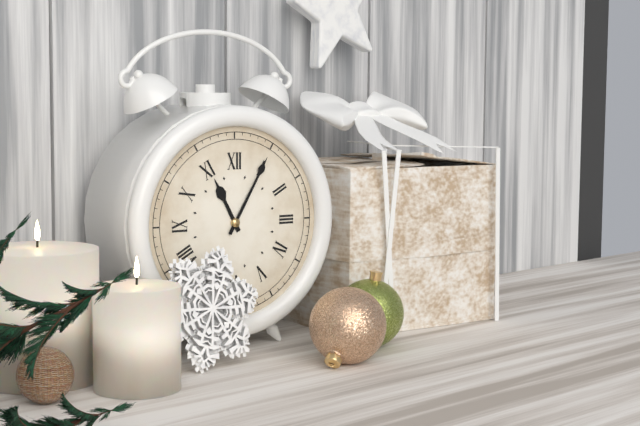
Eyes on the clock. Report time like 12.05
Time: 11.05
